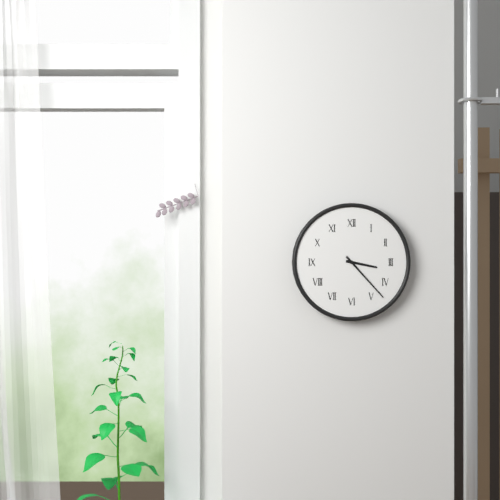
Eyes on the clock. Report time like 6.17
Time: 3.23
